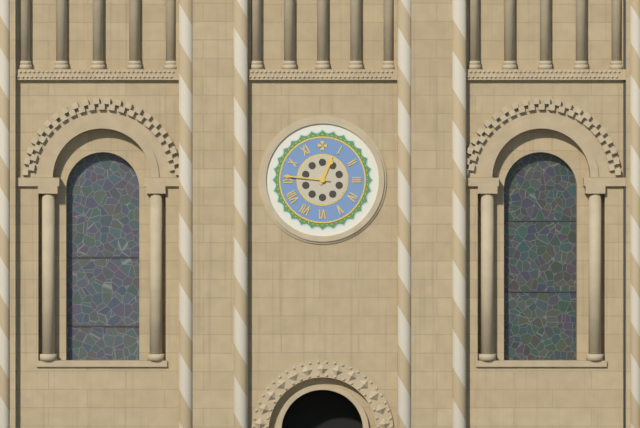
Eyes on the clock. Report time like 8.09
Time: 12.46
